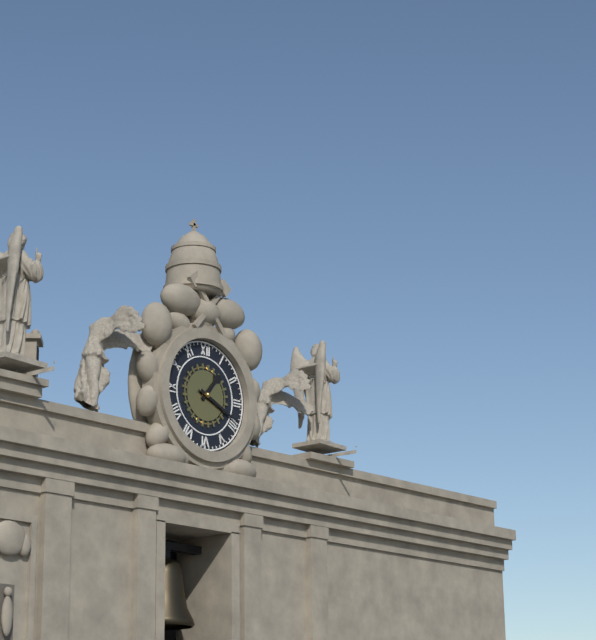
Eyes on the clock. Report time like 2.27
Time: 1.19
